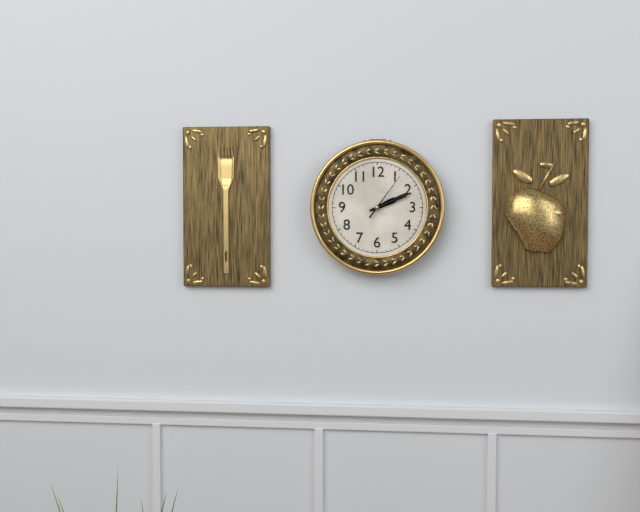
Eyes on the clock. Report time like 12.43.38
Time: 2.11.06
